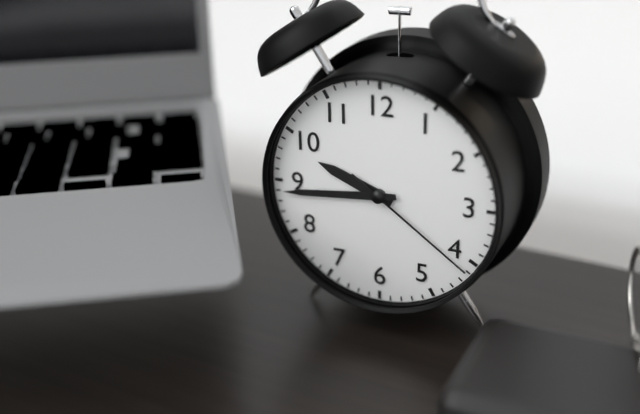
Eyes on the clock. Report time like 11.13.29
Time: 9.44.21
